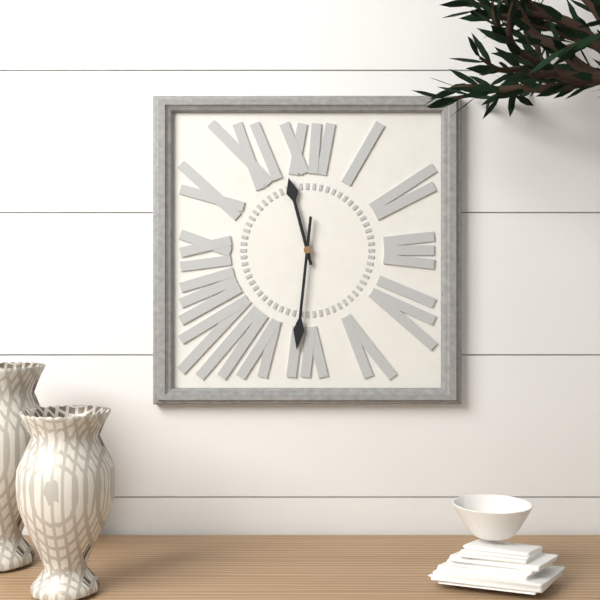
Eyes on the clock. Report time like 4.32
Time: 11.31
